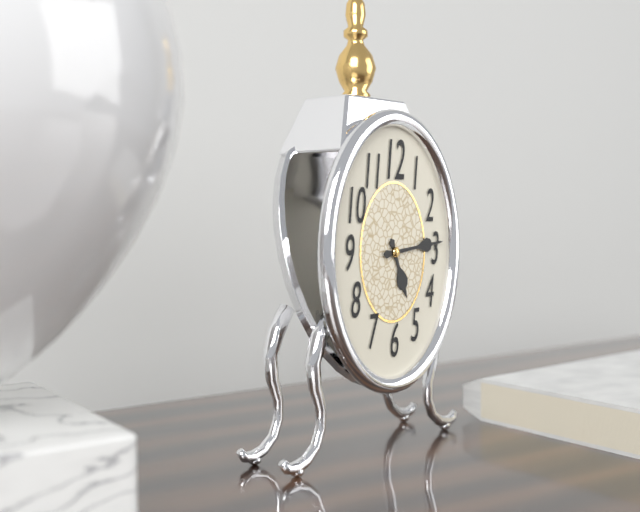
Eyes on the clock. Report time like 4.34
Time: 5.14
